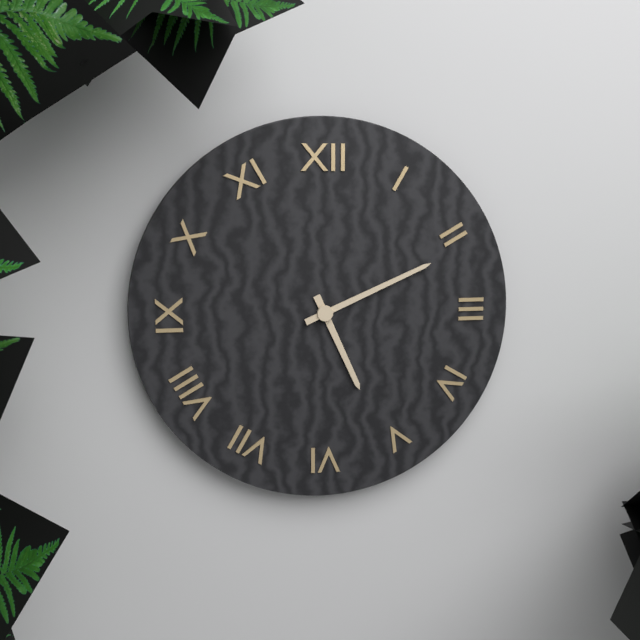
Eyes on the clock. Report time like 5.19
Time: 5.11
